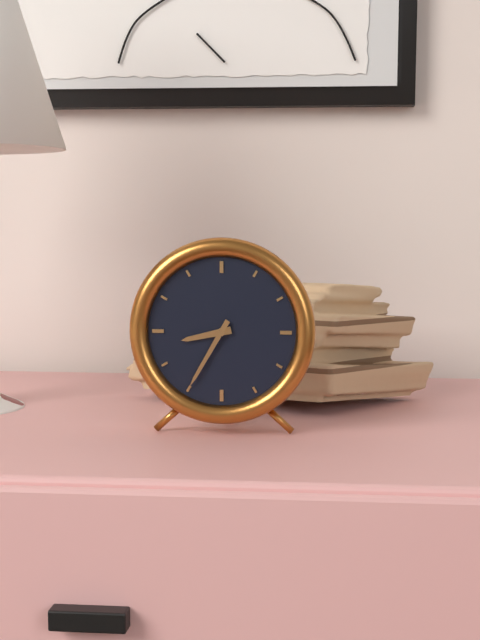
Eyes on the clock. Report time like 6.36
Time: 8.35
